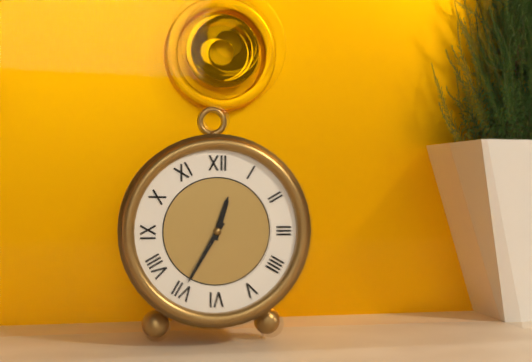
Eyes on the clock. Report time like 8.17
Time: 12.35
